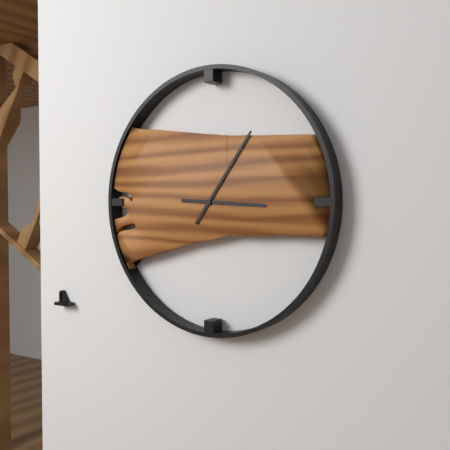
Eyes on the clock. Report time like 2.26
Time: 3.06
